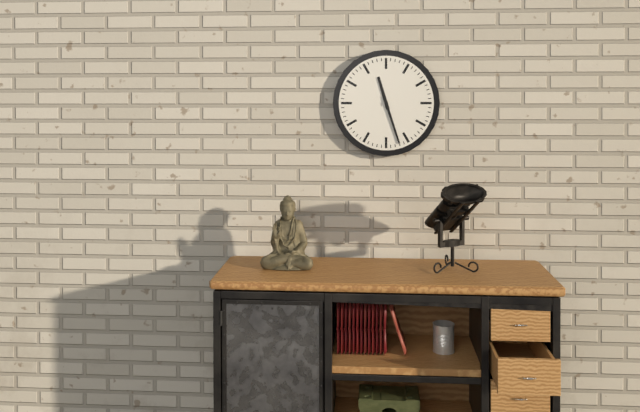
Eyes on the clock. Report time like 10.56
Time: 11.27
